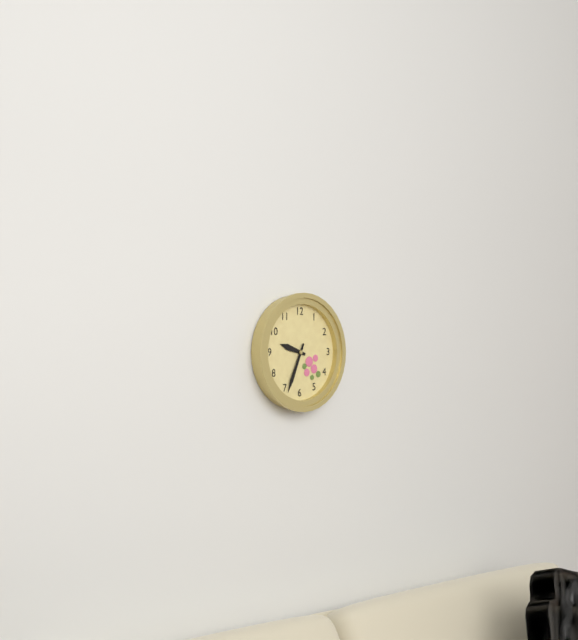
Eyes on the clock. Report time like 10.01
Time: 9.34
